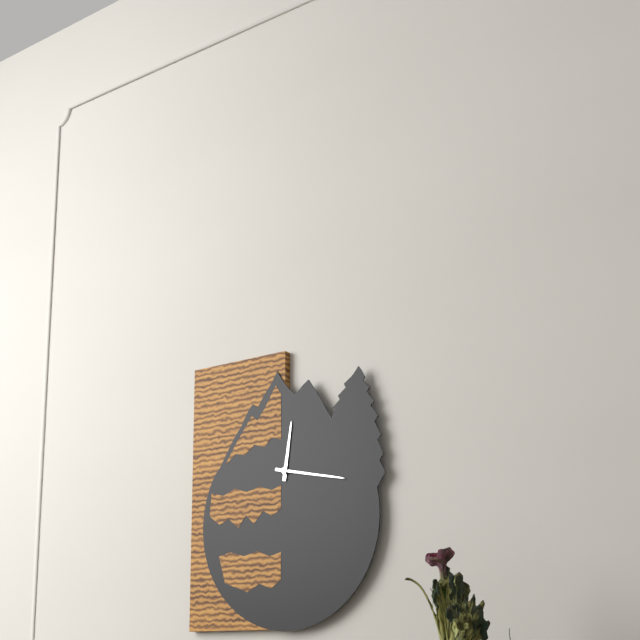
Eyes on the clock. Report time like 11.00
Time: 12.17
